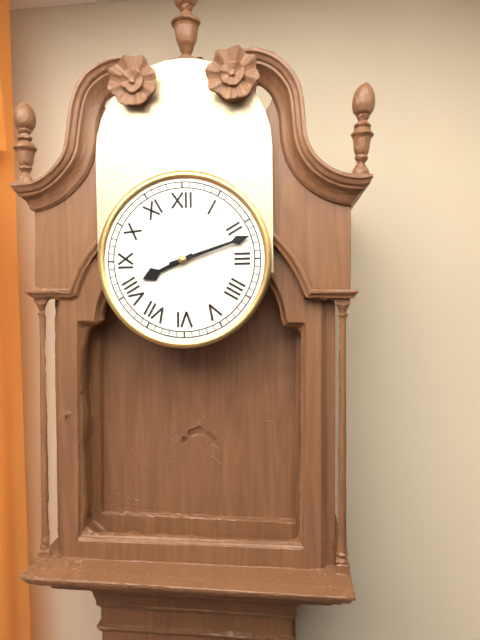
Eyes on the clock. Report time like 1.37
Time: 8.12
